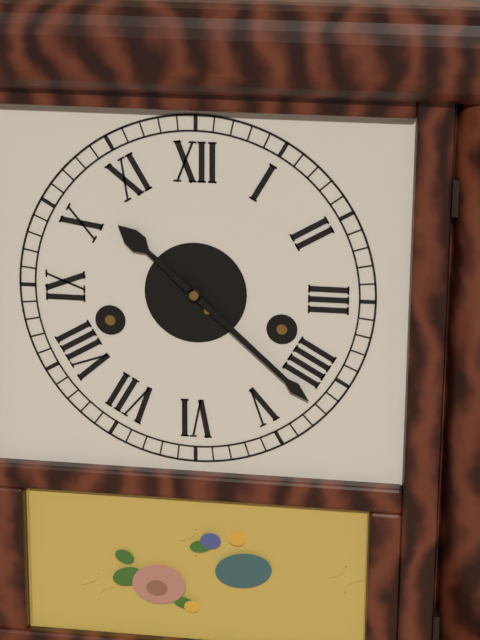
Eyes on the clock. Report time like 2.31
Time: 10.22
